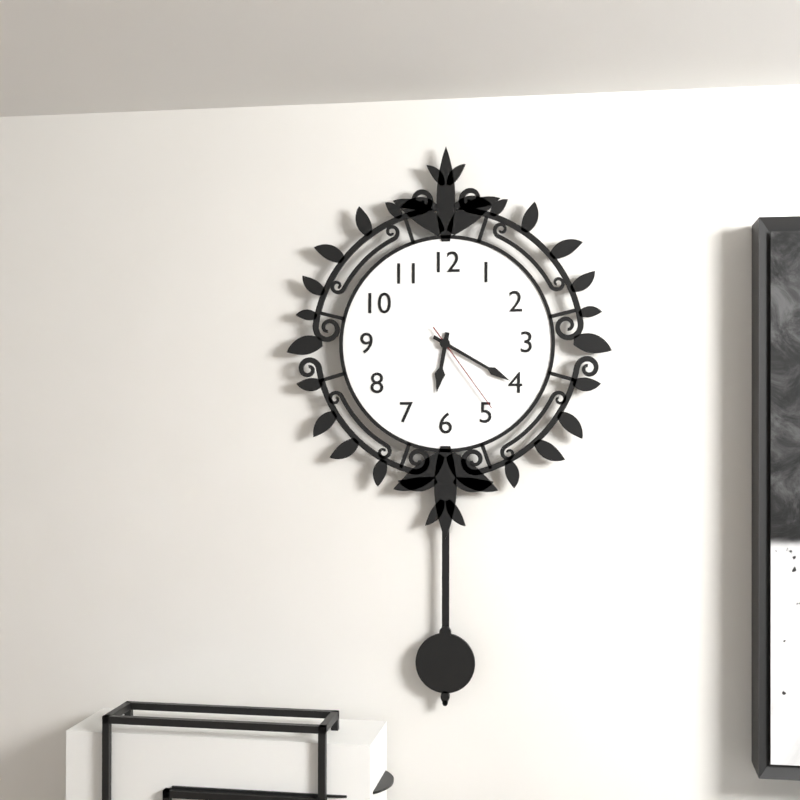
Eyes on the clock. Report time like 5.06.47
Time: 6.20.24
